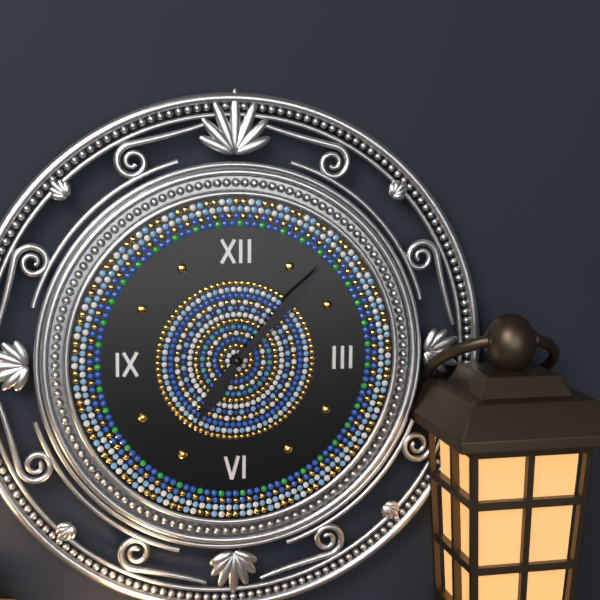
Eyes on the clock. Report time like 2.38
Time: 7.07
